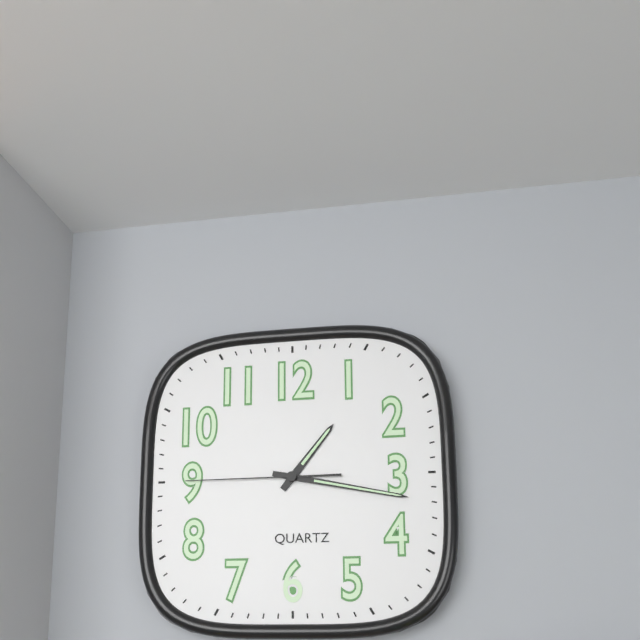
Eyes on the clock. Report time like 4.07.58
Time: 1.17.45
